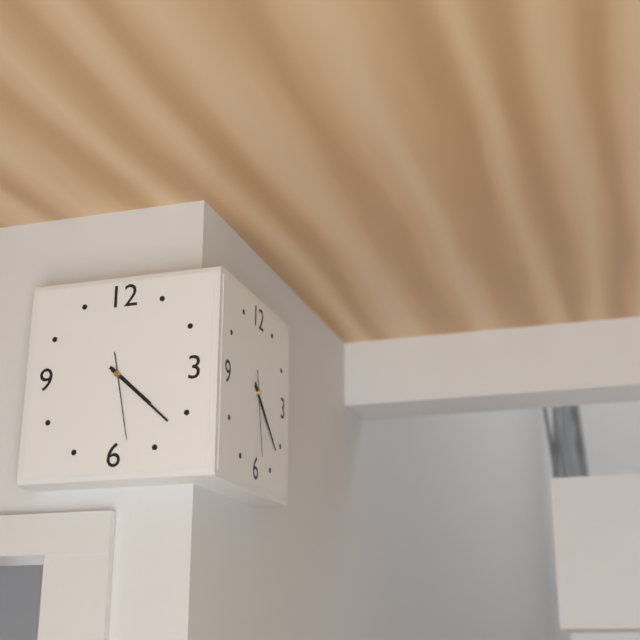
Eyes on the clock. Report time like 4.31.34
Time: 4.22.28
